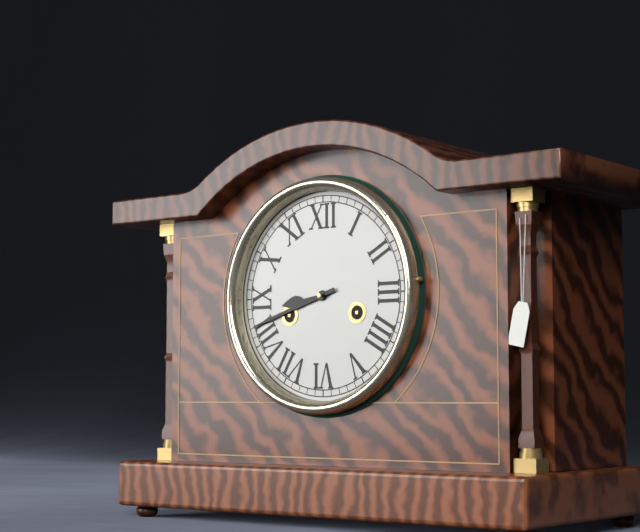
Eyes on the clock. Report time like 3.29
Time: 8.42
